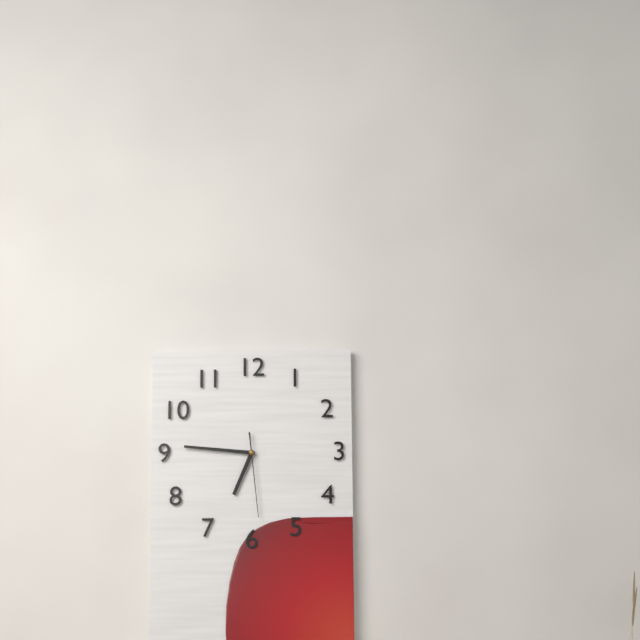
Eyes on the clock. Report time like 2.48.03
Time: 6.46.29
